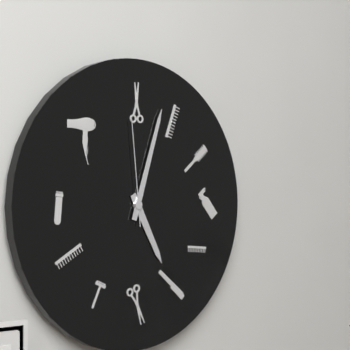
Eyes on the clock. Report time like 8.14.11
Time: 5.03.59
